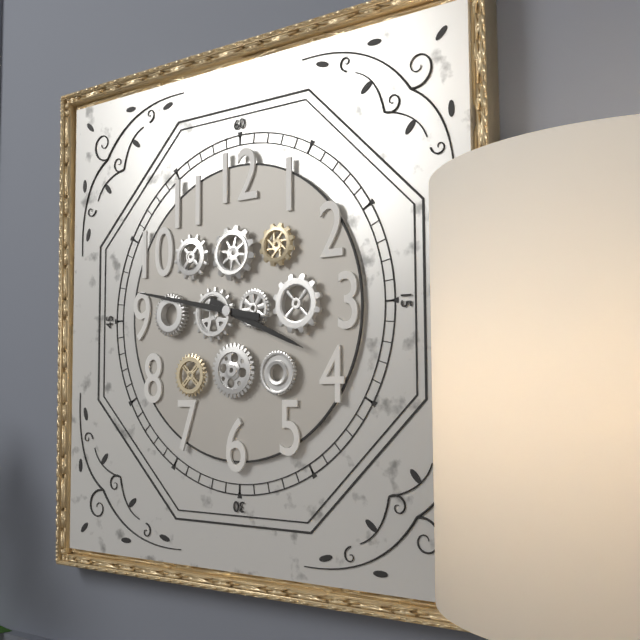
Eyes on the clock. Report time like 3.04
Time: 3.47
